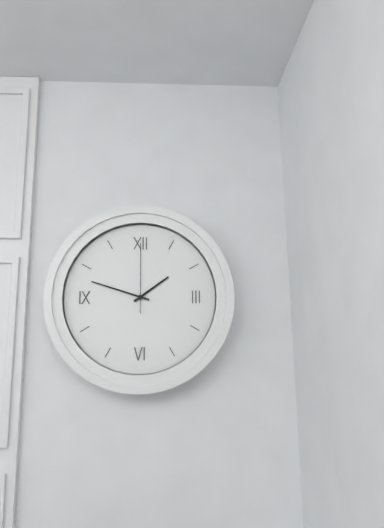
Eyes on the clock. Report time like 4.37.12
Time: 1.48.00
